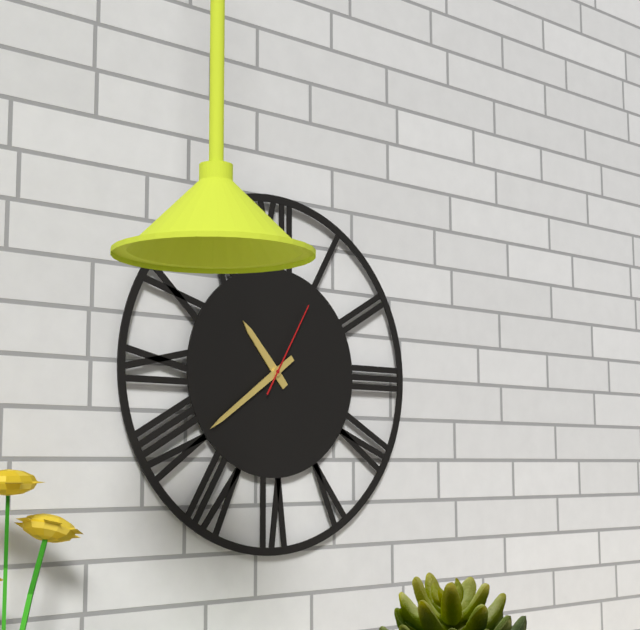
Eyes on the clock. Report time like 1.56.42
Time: 10.39.05
